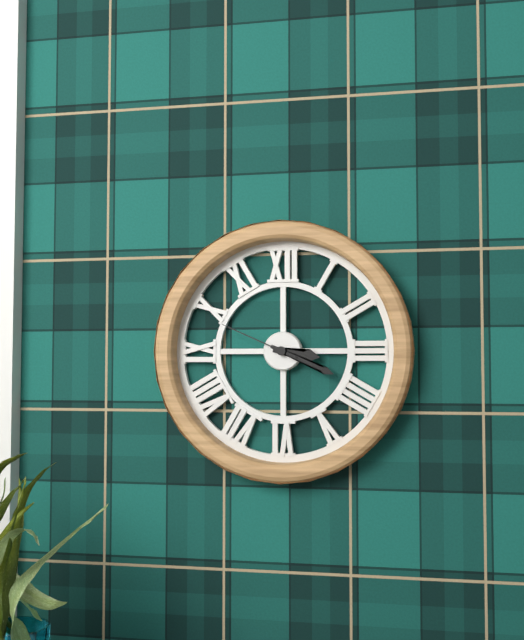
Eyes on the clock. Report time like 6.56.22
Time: 3.19.49
